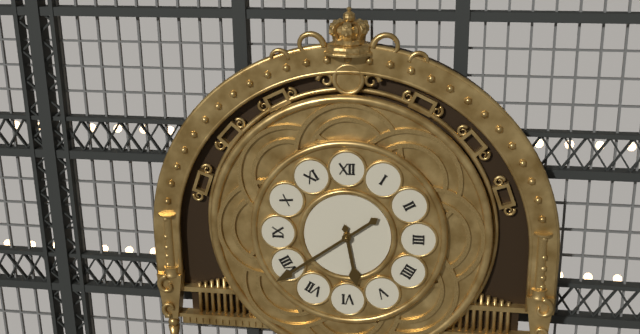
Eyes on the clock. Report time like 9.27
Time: 5.39
